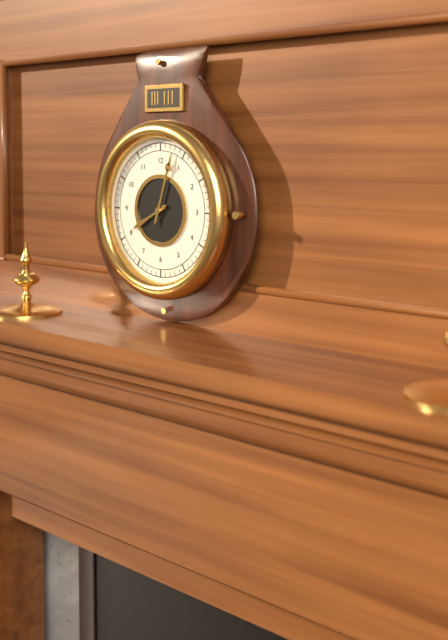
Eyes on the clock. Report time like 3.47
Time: 8.03
